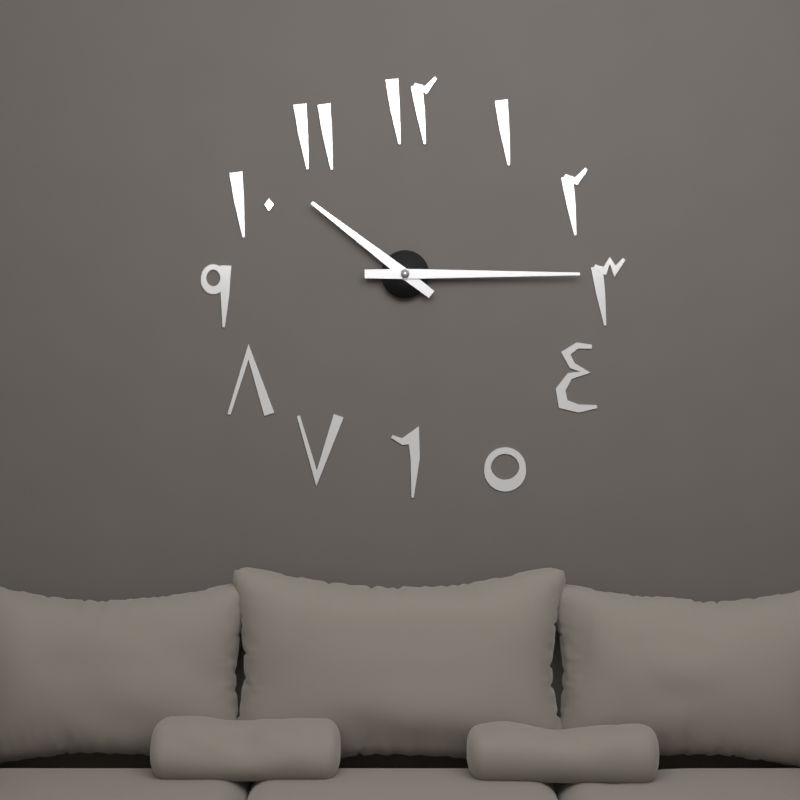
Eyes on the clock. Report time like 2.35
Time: 10.15
